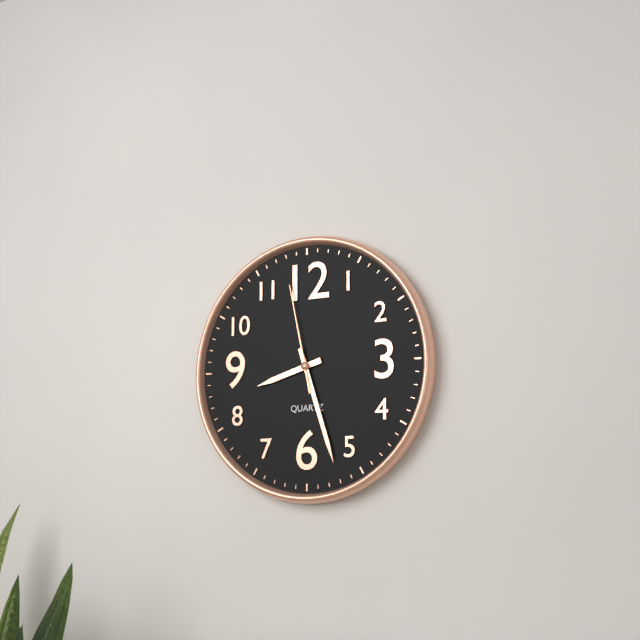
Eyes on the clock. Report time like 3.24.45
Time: 8.27.58
